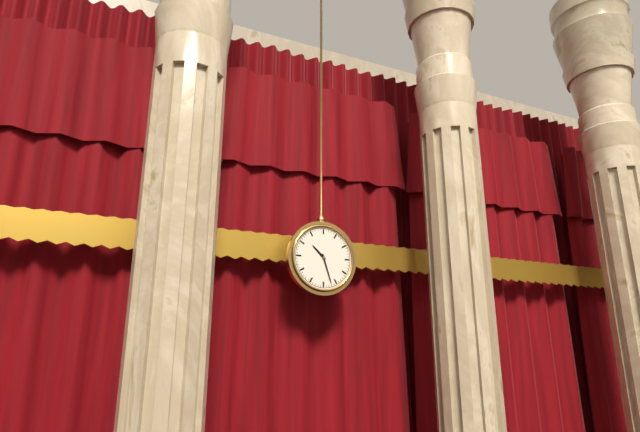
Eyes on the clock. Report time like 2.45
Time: 10.27
